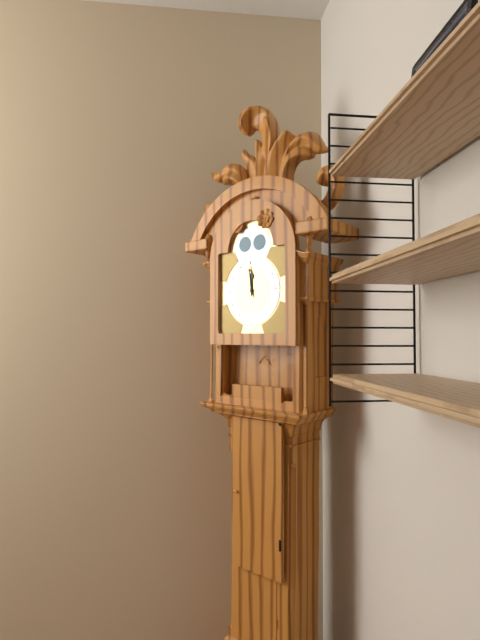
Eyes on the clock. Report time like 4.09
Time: 11.59
